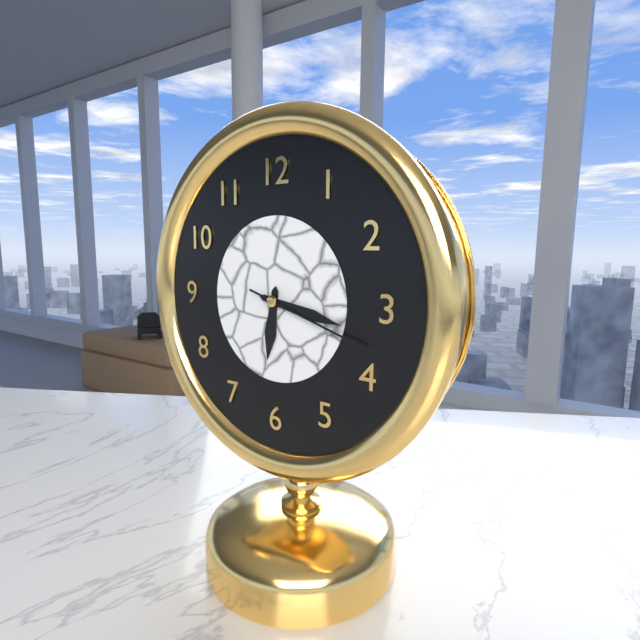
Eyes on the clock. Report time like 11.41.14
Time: 6.17.18
